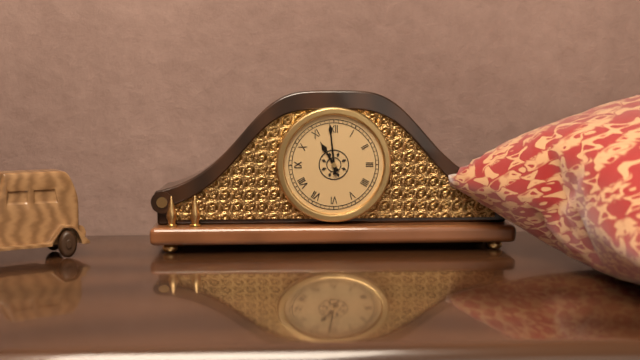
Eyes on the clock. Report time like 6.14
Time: 10.59
